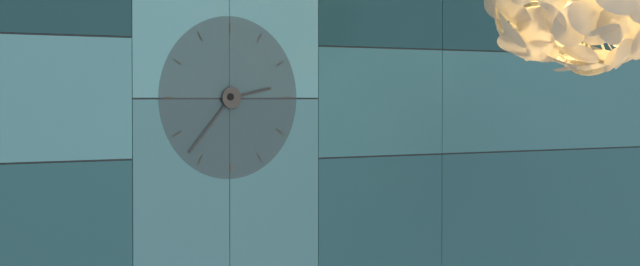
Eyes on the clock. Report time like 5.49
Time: 2.37
